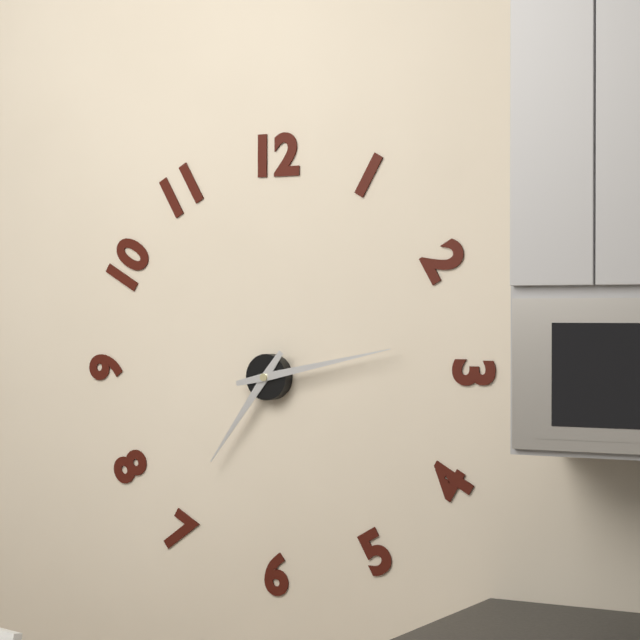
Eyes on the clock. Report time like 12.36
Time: 7.13
